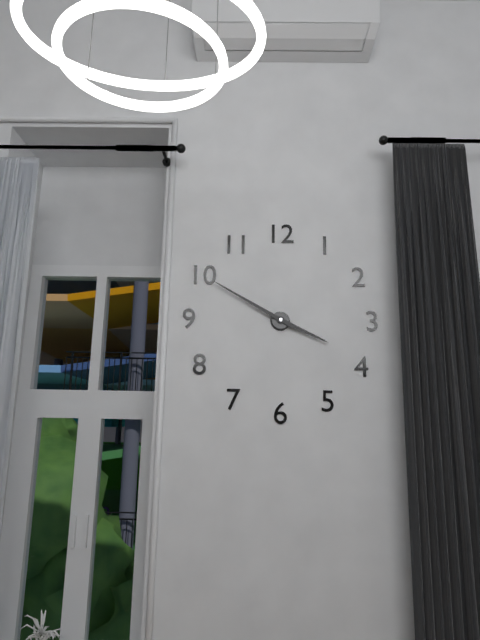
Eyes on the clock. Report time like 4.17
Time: 3.50
